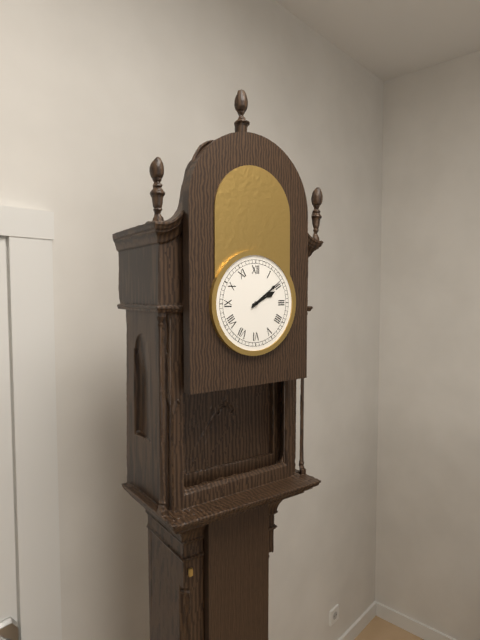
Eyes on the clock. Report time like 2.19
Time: 2.09
